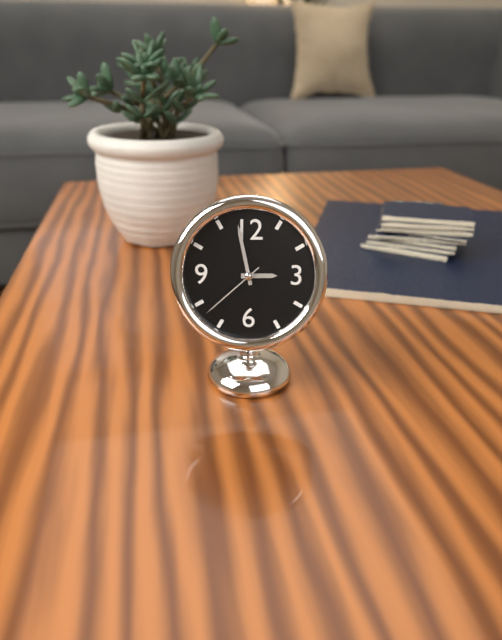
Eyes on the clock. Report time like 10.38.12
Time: 2.58.38
